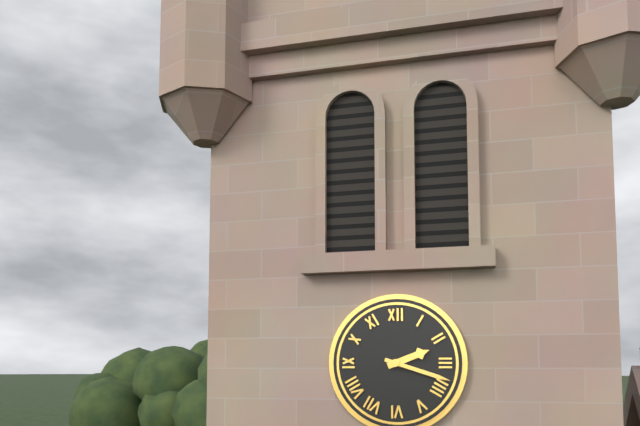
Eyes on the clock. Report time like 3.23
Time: 2.18
